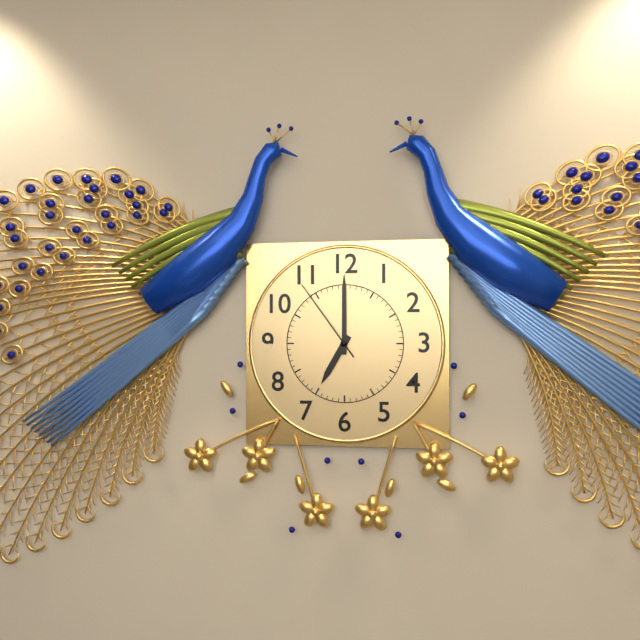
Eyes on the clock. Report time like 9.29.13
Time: 7.00.54
